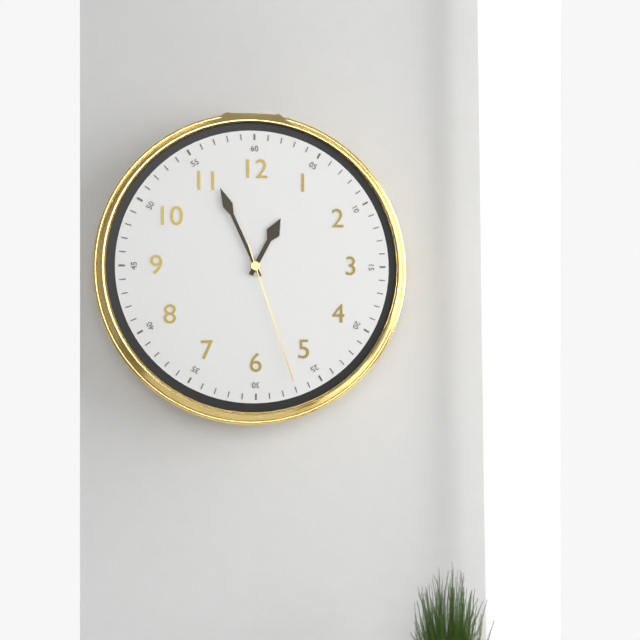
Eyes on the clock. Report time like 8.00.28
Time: 12.56.27
